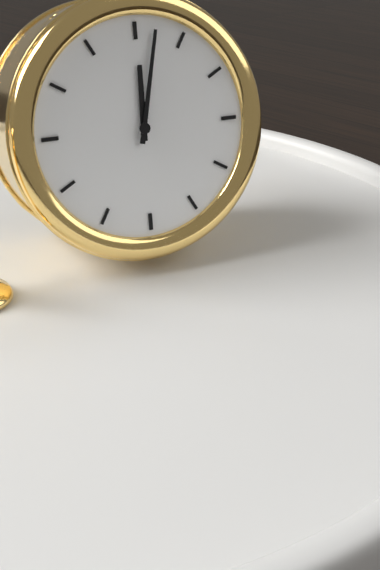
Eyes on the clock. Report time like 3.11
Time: 12.02
